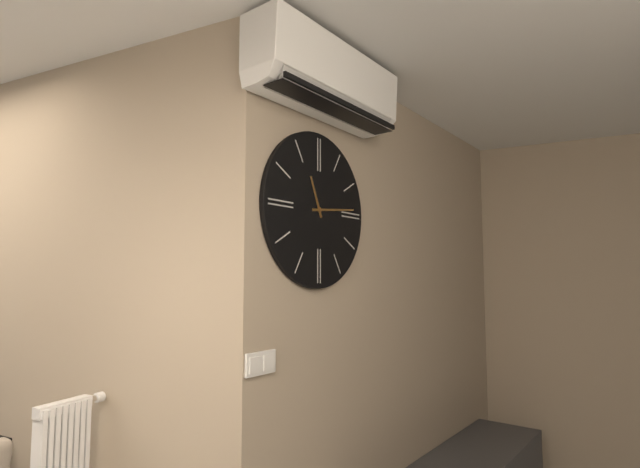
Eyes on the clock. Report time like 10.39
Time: 11.14
